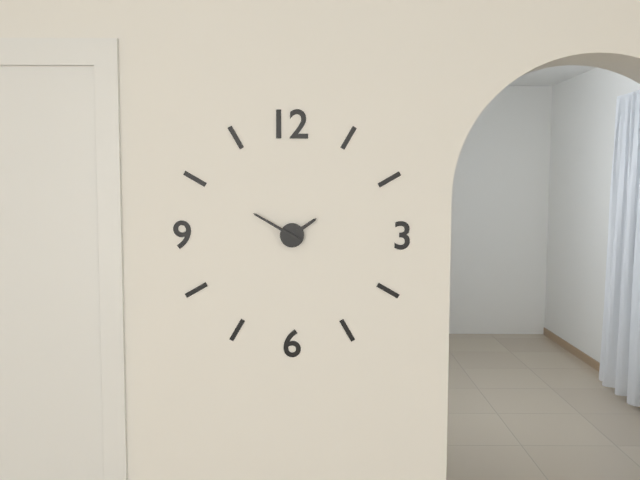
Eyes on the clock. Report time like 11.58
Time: 1.50
